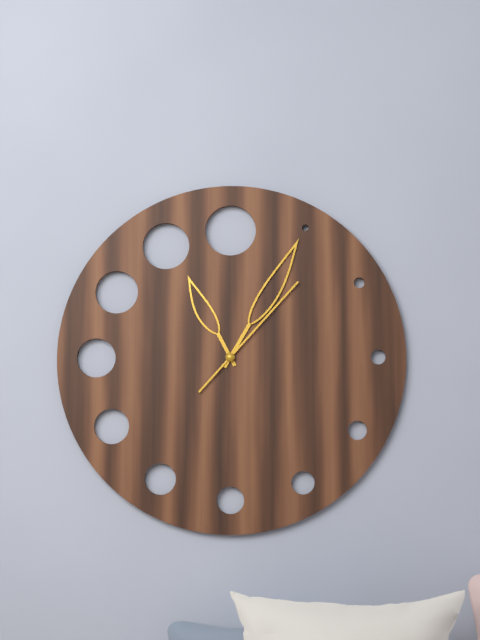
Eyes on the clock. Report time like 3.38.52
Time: 11.05.07
